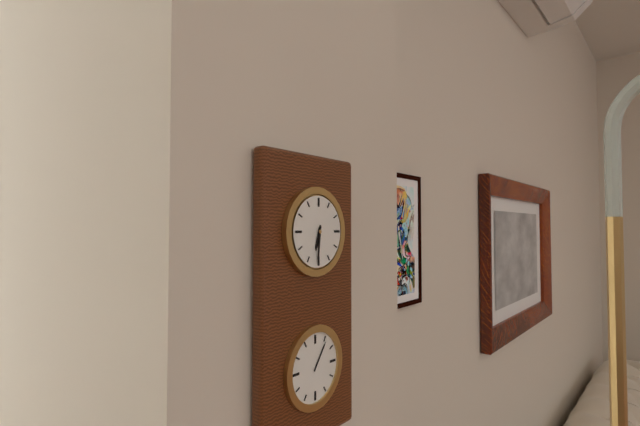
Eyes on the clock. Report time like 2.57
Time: 6.31
